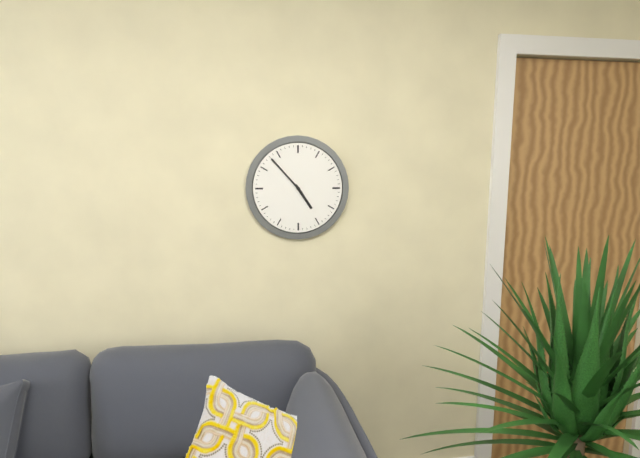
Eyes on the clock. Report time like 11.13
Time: 4.53
